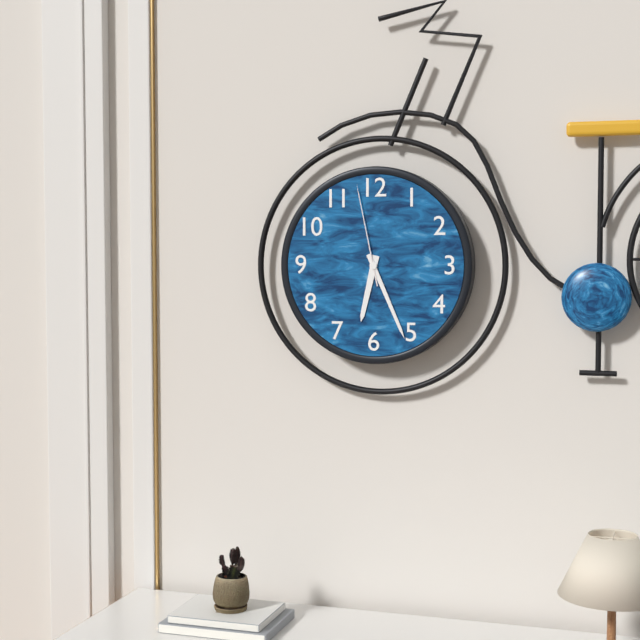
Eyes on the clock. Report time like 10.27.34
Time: 6.26.58
